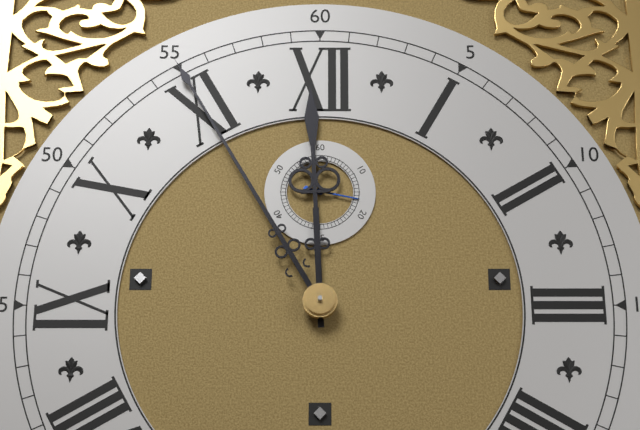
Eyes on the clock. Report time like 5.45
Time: 11.55
